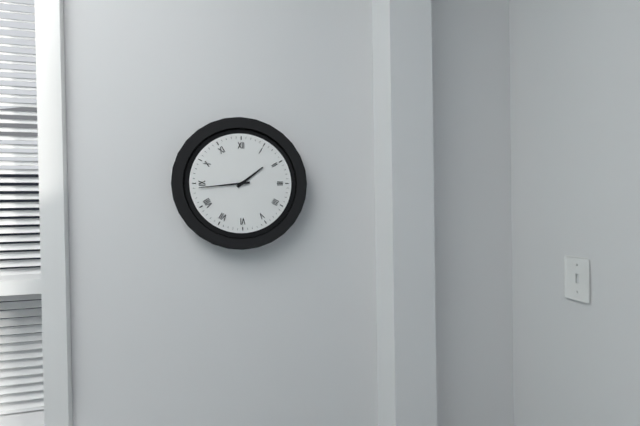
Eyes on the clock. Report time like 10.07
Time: 1.44
